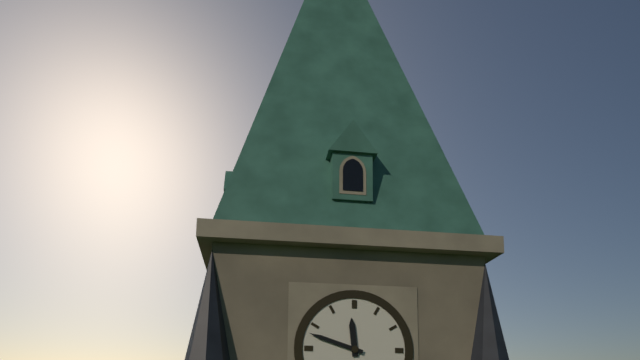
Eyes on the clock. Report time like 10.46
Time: 11.48
